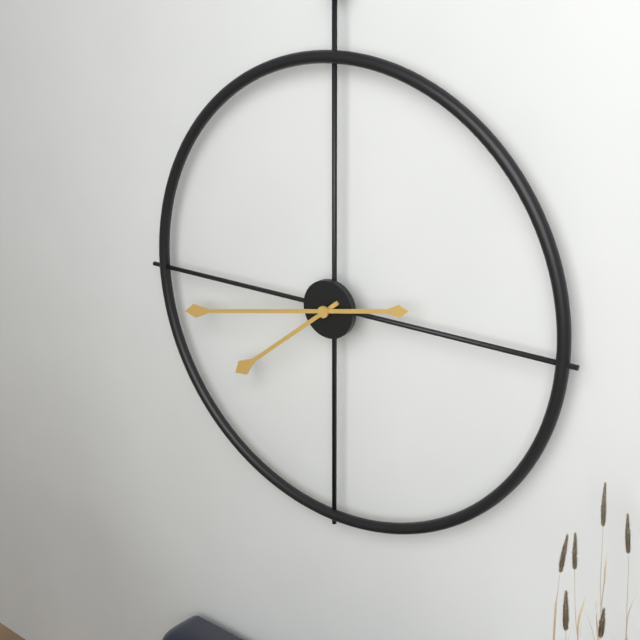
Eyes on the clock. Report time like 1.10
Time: 7.43
